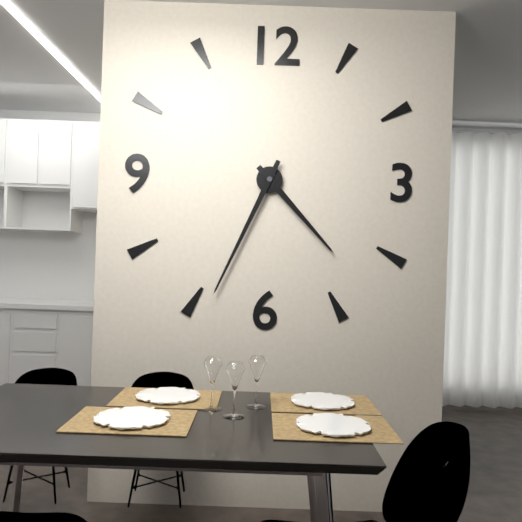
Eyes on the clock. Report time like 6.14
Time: 4.34
